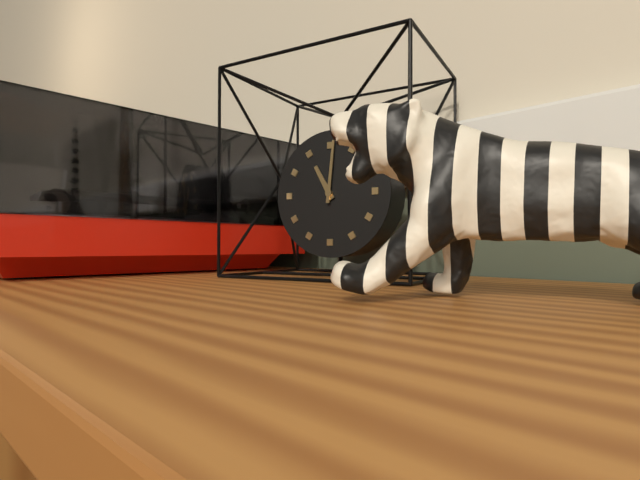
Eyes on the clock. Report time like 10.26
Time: 11.01
